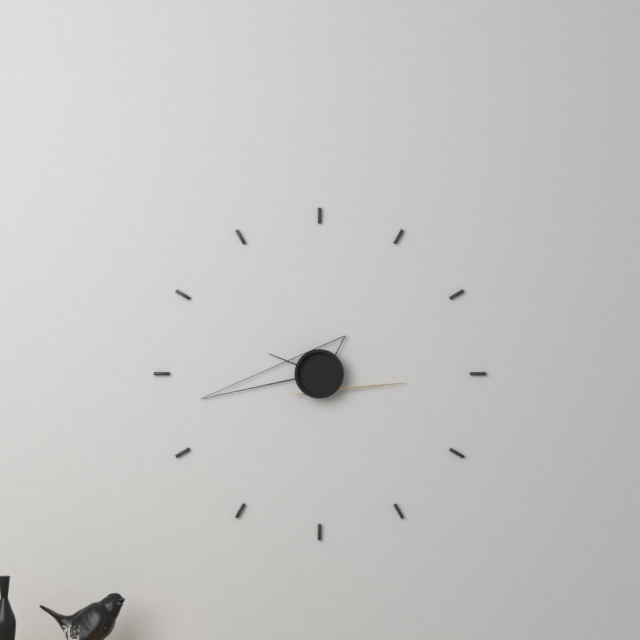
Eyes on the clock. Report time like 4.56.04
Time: 9.43.16
